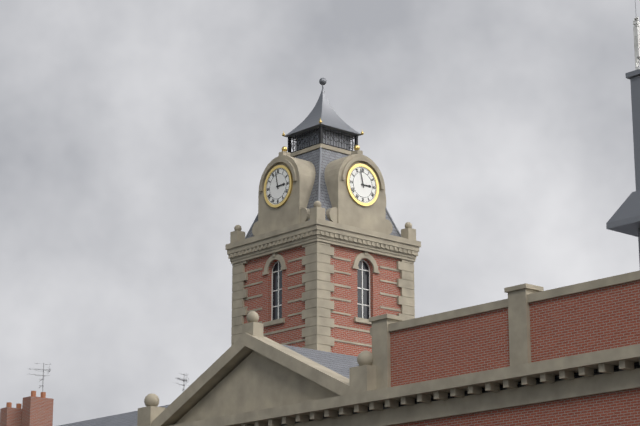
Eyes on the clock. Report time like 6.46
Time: 2.58
